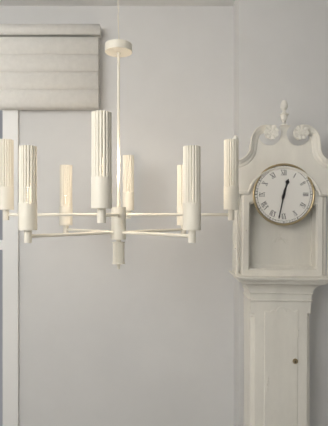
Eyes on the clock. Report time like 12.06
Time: 12.32
